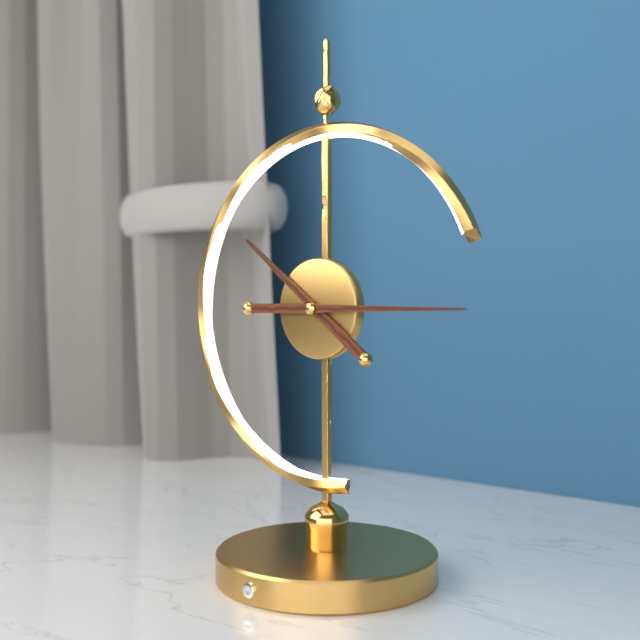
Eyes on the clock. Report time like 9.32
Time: 10.15
